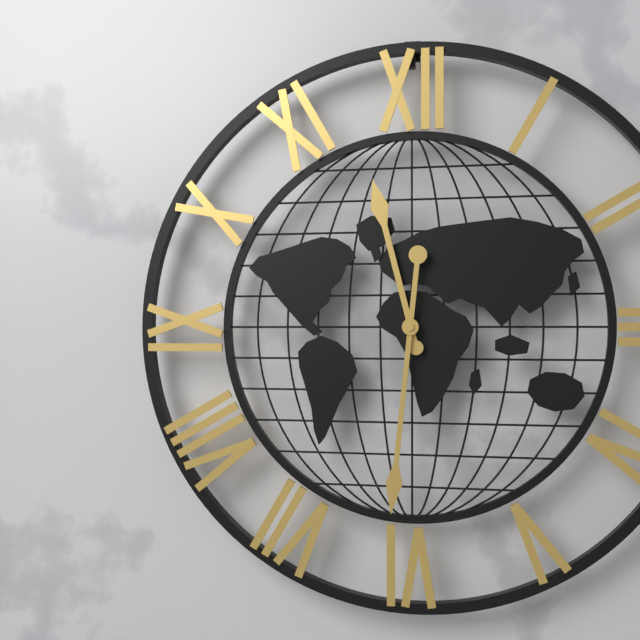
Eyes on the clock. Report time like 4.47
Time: 11.31
